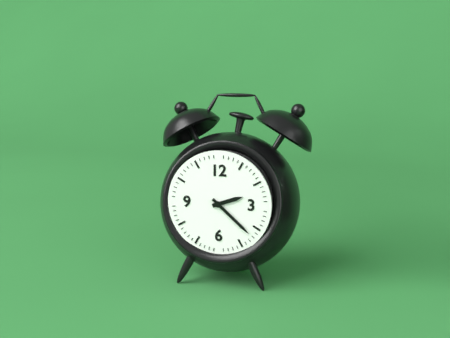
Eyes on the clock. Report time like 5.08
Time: 2.22
